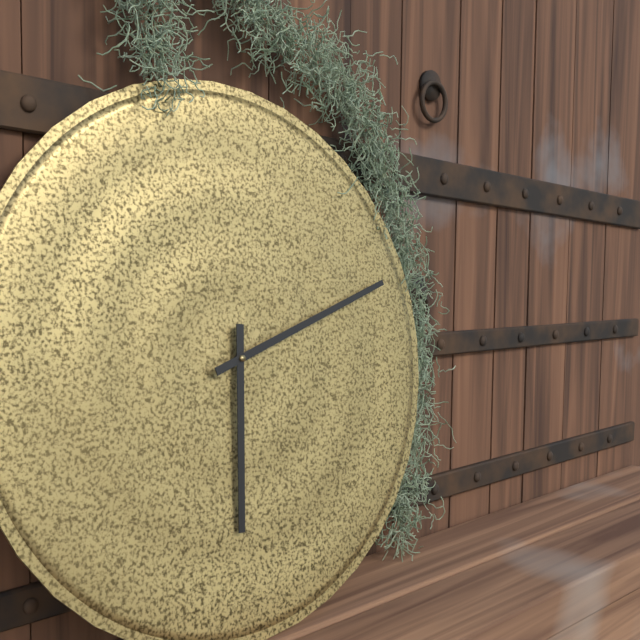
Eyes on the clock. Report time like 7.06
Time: 6.12
